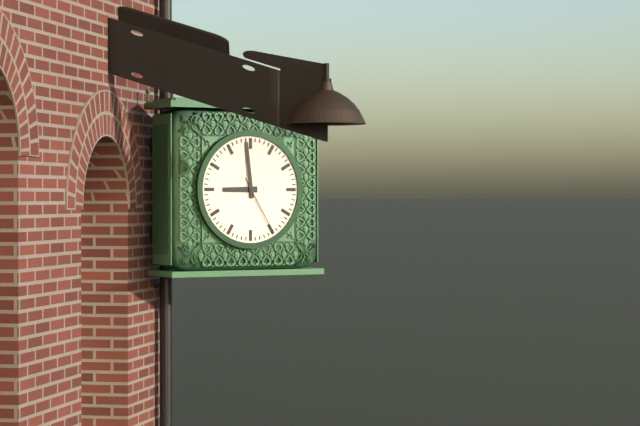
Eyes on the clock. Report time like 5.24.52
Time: 8.59.25
